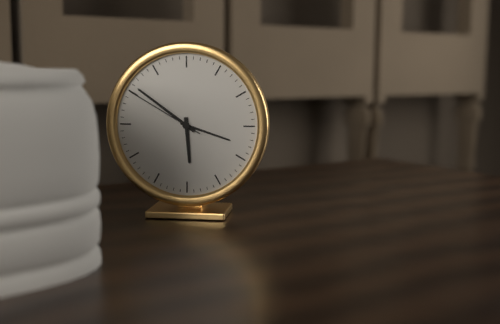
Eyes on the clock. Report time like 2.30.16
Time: 5.51.50
